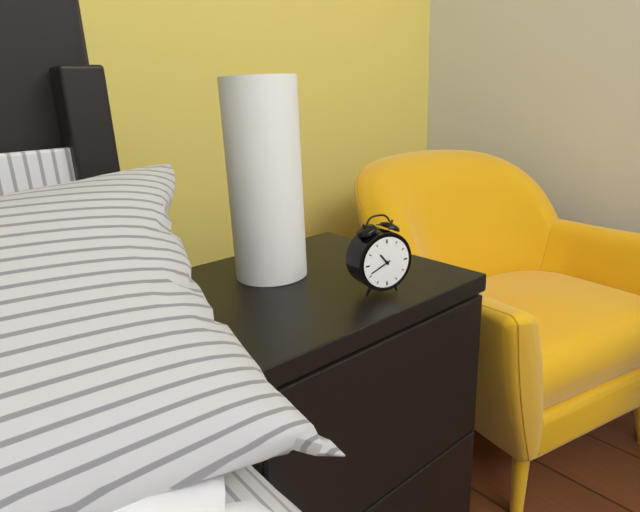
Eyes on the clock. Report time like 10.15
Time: 10.41
